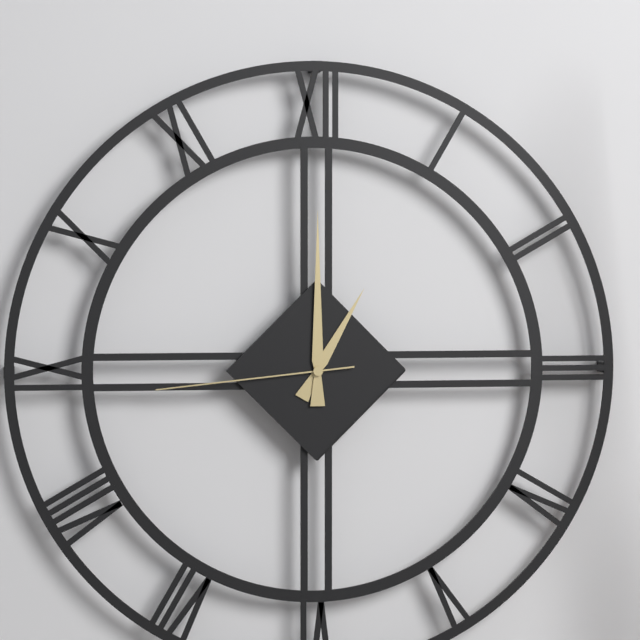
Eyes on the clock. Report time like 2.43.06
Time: 1.00.44
